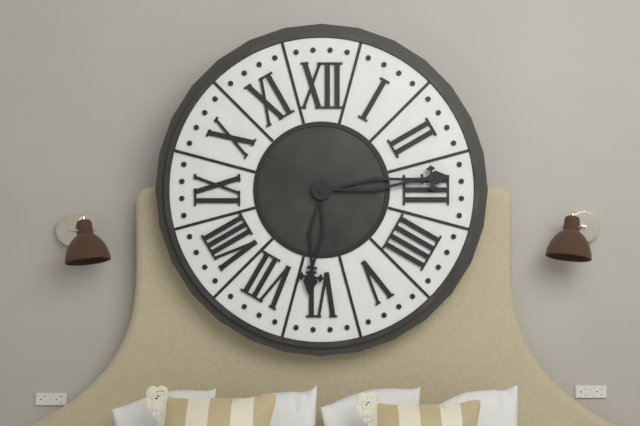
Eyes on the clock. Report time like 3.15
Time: 6.14
